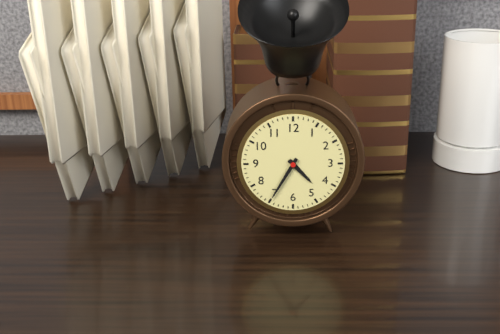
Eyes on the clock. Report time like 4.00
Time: 4.35
